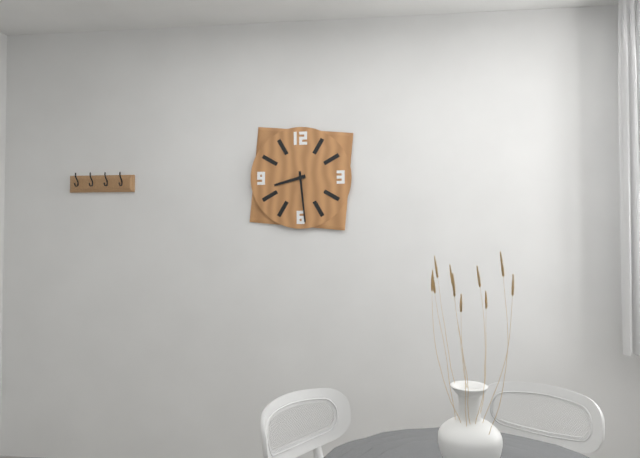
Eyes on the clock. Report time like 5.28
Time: 8.29
